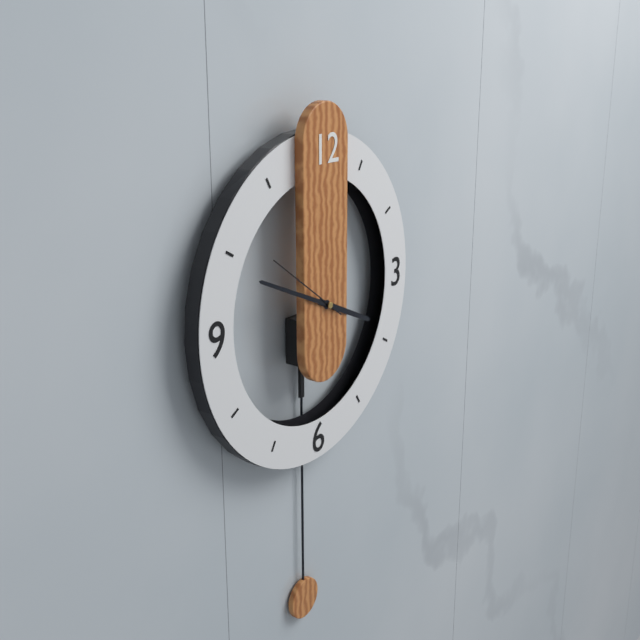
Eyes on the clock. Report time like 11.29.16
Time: 3.49.51
